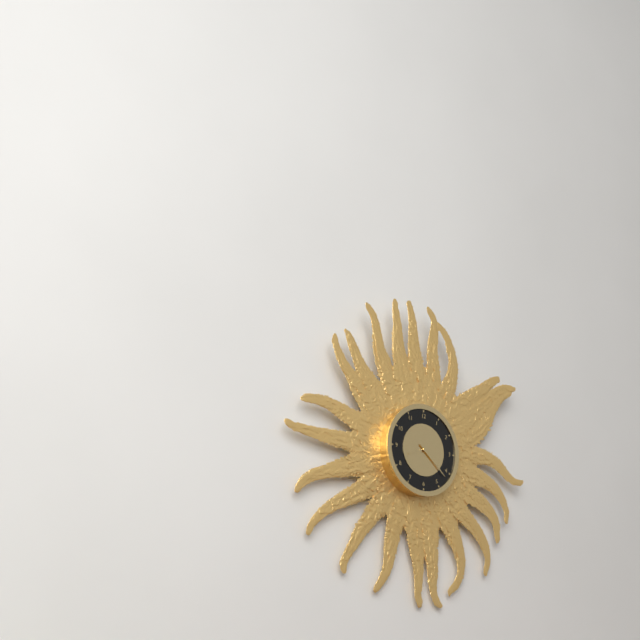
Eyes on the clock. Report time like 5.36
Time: 8.22
